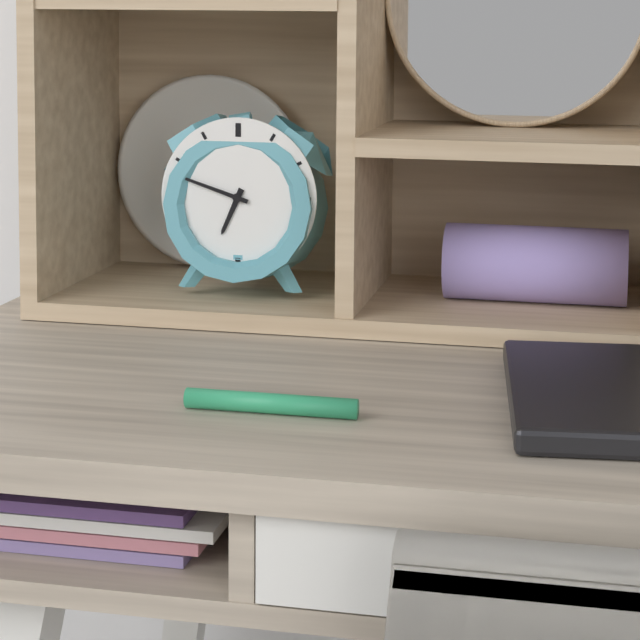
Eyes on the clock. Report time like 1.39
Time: 6.48
